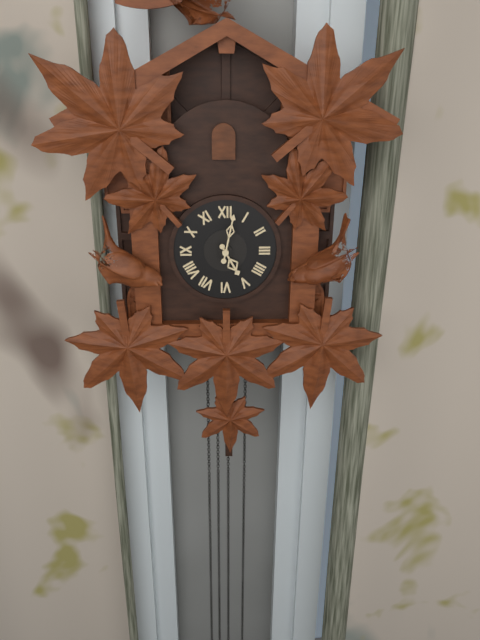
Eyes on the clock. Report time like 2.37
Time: 5.02
